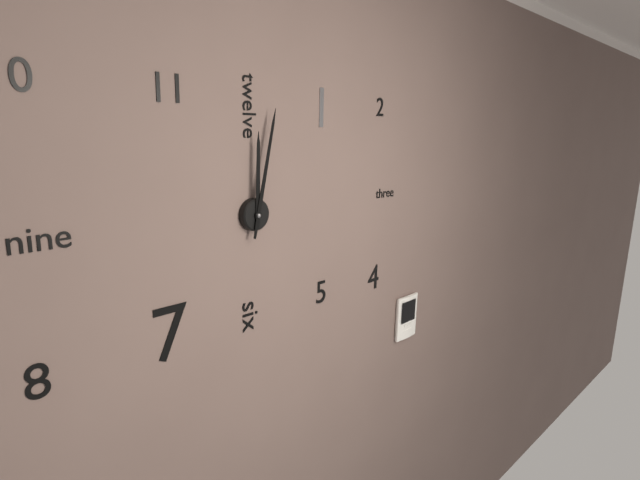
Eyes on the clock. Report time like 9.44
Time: 12.02
